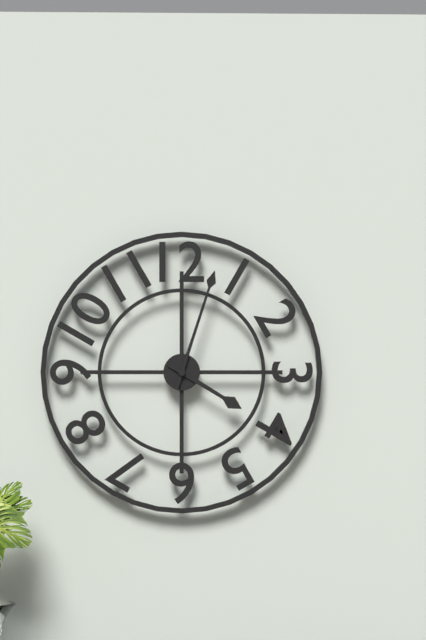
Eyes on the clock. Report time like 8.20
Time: 4.03
